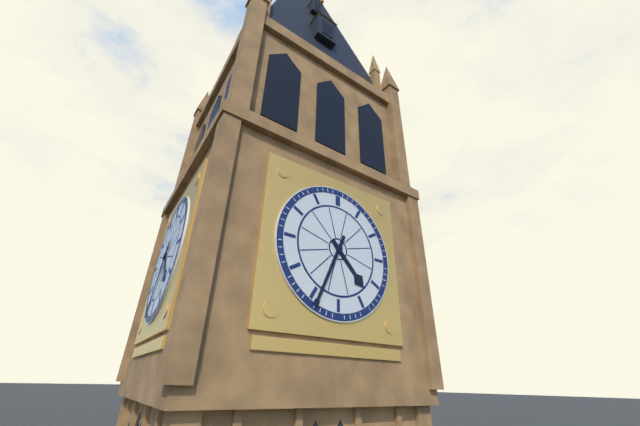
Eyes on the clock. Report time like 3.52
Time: 4.34
